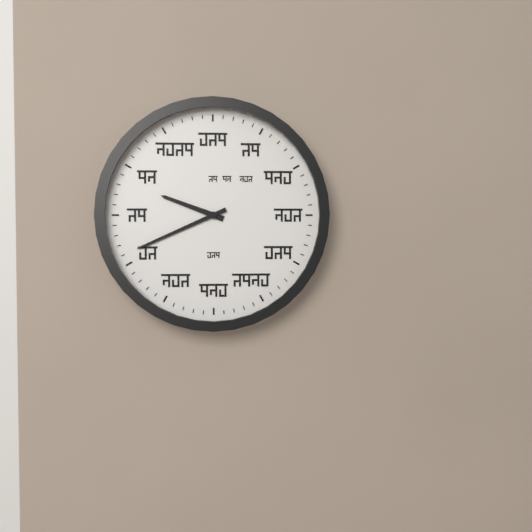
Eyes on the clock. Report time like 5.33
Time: 9.41
